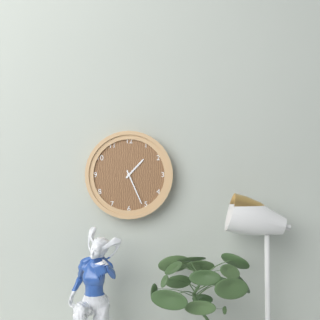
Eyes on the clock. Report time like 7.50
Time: 1.26
